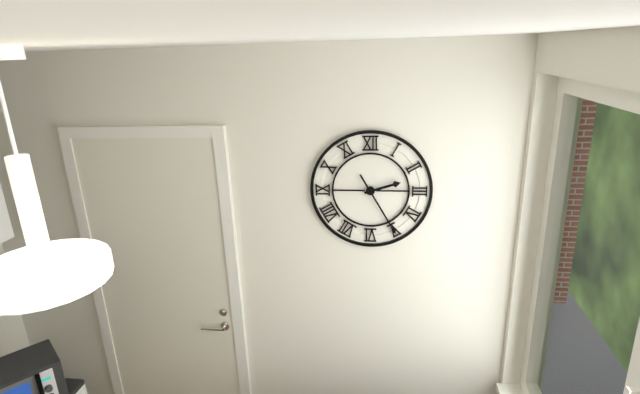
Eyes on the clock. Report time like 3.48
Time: 2.25
